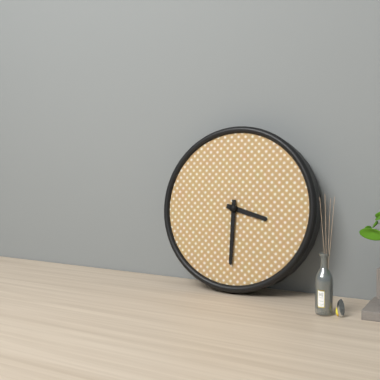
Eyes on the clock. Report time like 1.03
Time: 3.30
